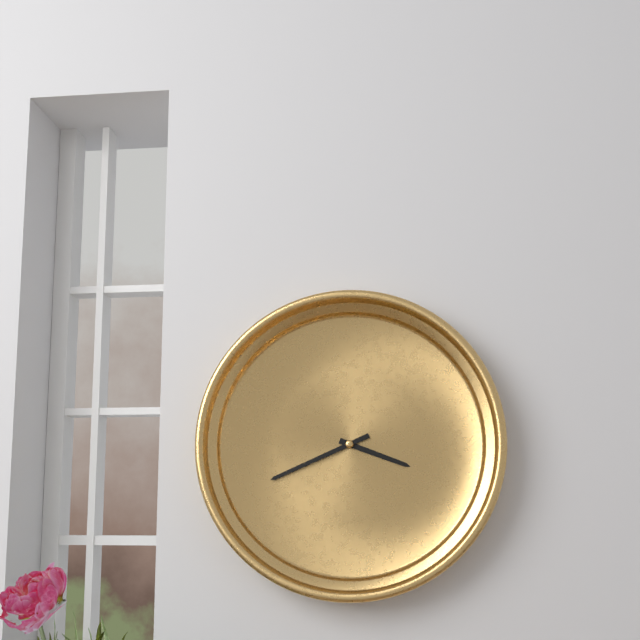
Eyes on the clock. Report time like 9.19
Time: 3.41
